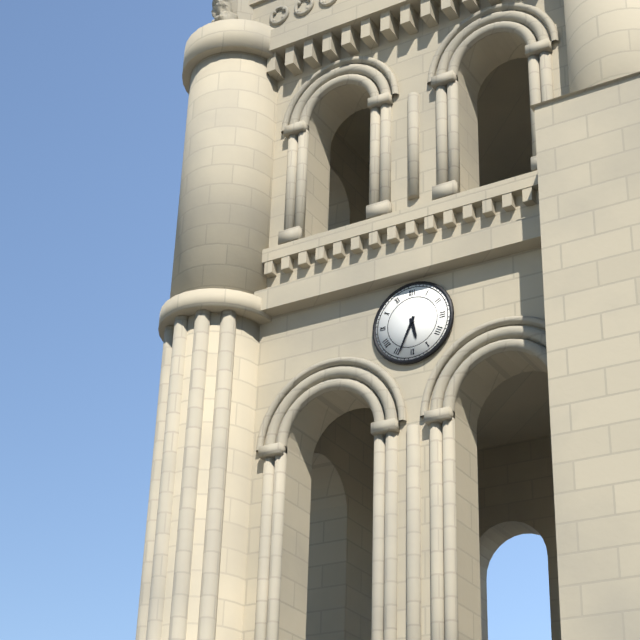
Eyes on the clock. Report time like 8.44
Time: 5.34
